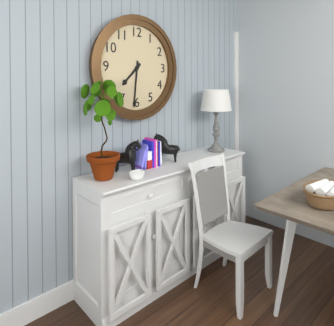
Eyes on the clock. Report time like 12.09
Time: 7.31
